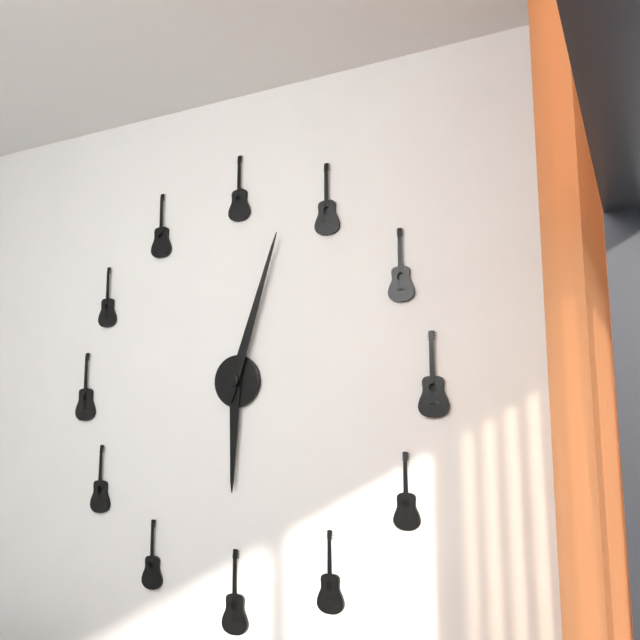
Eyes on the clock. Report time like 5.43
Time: 6.03
